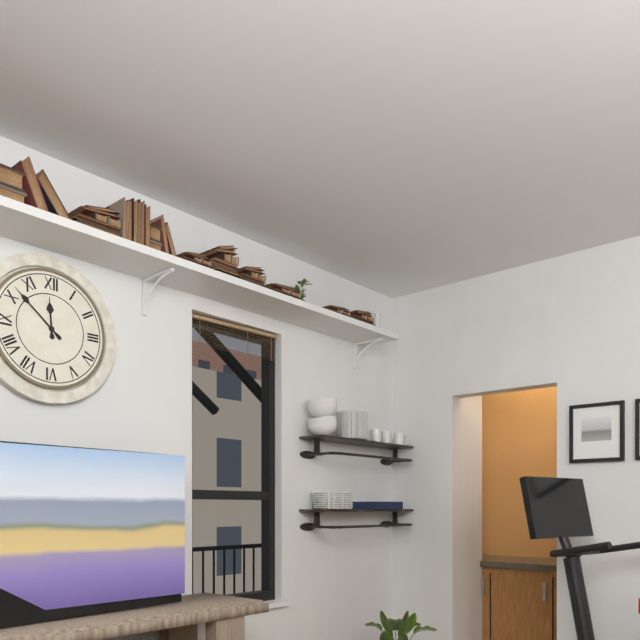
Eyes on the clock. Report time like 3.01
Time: 11.52
